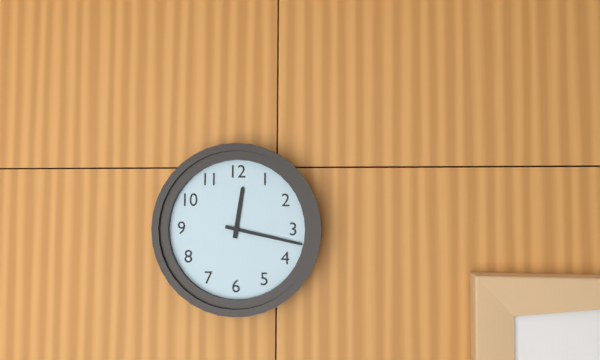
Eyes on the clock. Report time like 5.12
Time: 12.17
